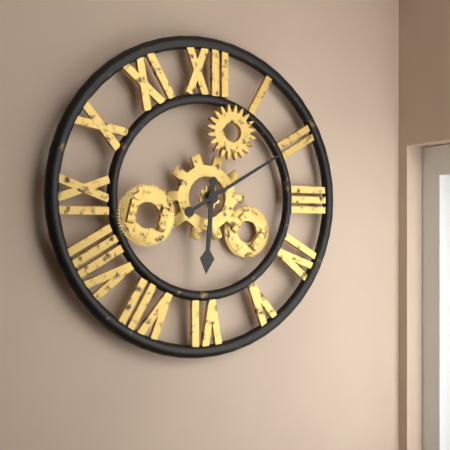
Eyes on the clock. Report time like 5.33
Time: 6.10
